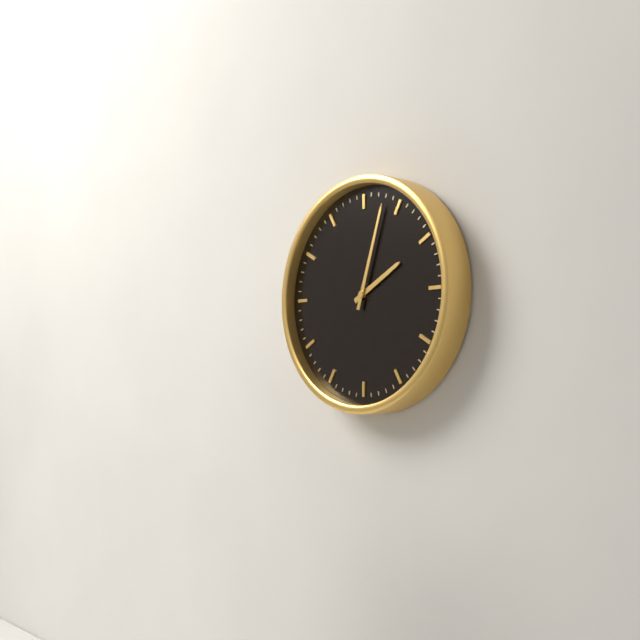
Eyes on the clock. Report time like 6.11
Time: 2.03
